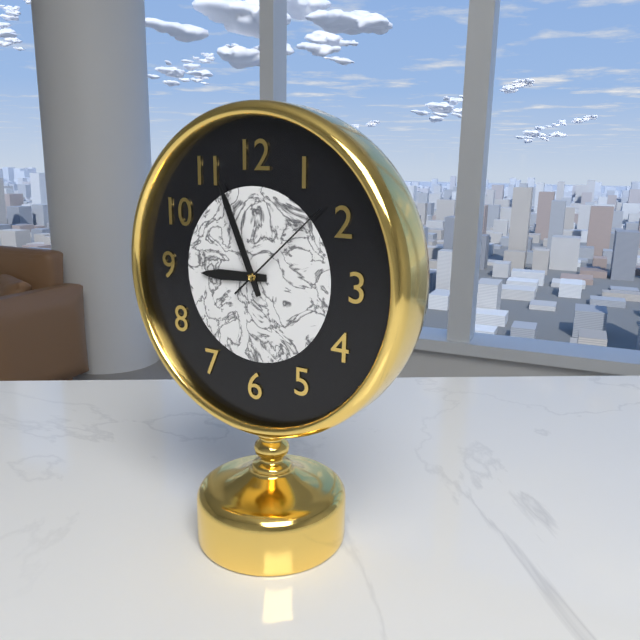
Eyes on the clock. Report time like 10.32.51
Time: 8.56.08
